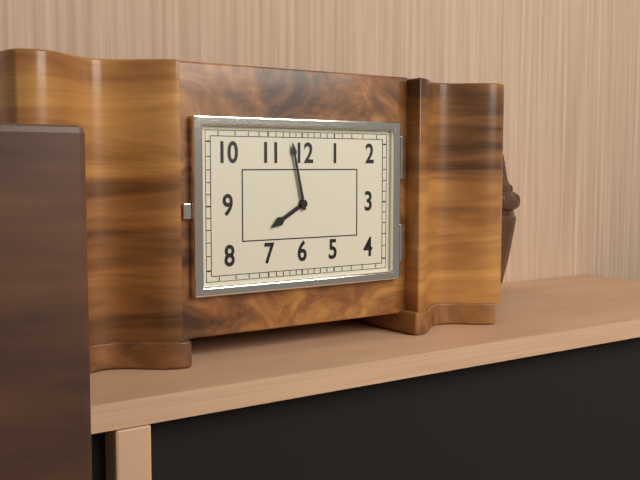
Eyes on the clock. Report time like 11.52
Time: 7.58
